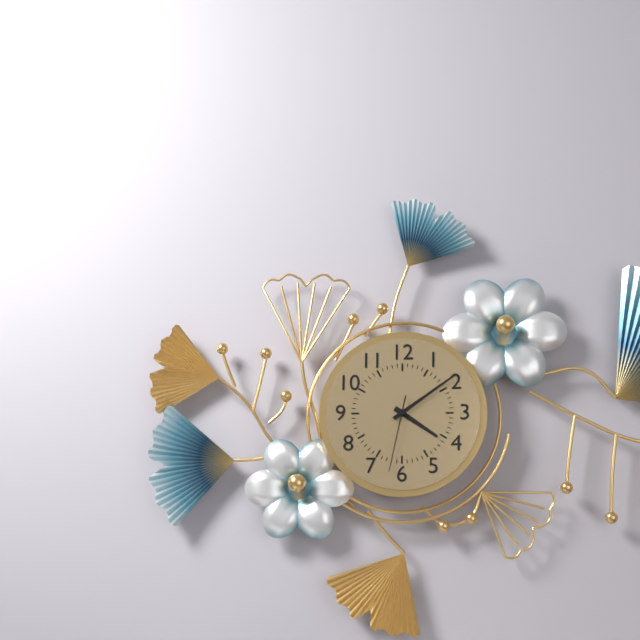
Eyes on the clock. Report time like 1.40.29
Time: 4.09.32
